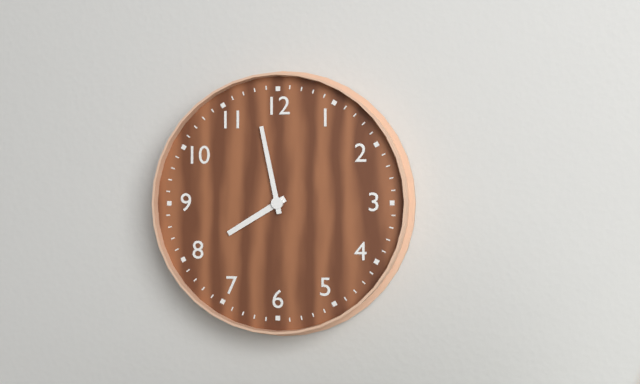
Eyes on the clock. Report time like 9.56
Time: 7.58
